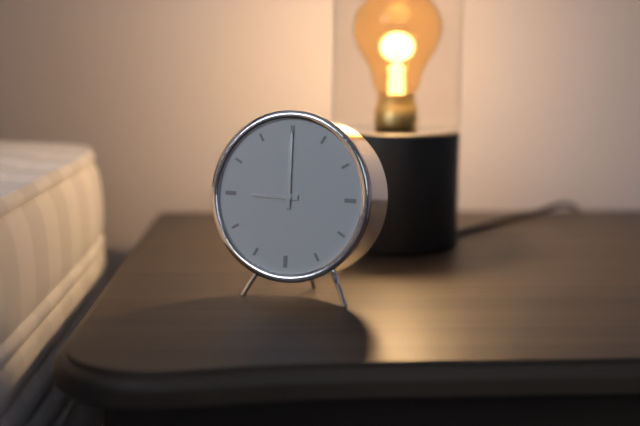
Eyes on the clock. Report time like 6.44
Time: 9.00
